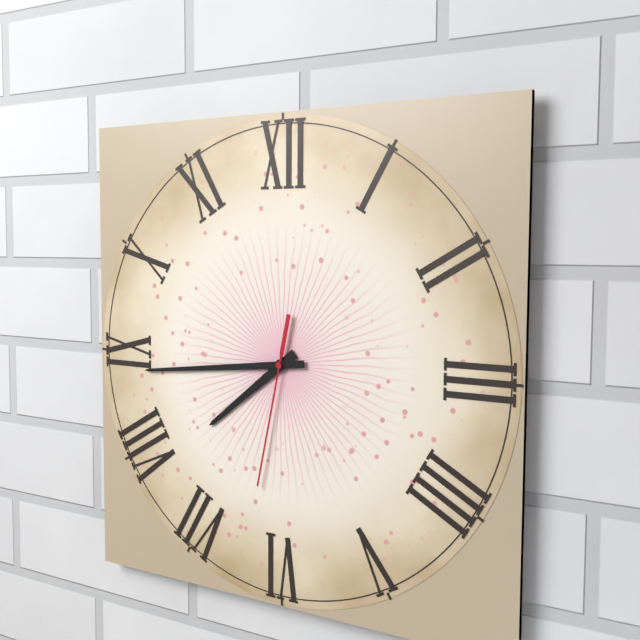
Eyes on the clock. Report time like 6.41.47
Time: 7.44.32
